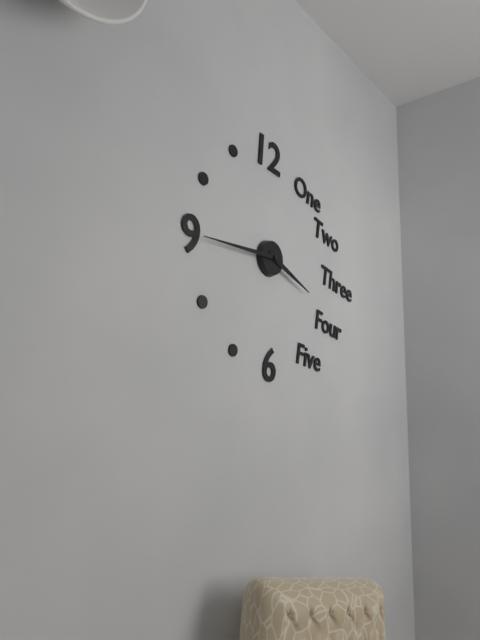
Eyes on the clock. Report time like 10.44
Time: 3.45
